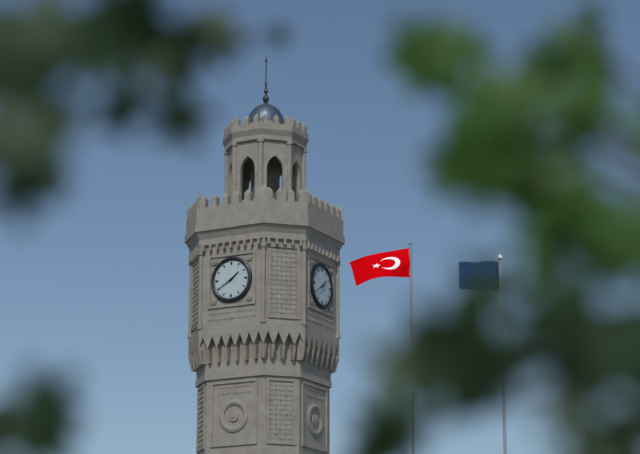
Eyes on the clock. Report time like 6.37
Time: 1.40
